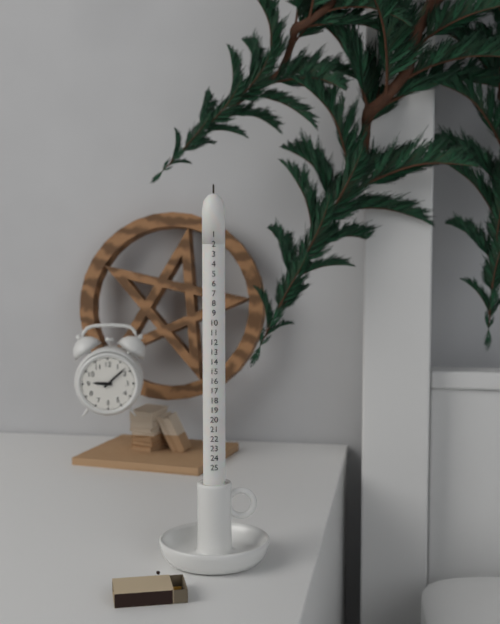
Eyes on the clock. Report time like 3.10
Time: 9.08
